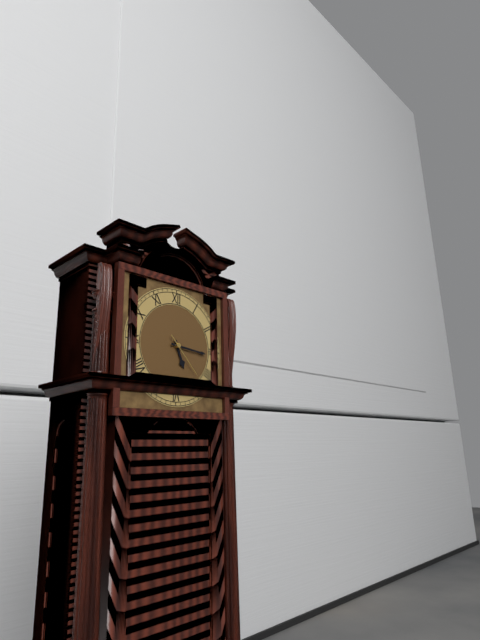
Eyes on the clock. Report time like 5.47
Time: 5.16
